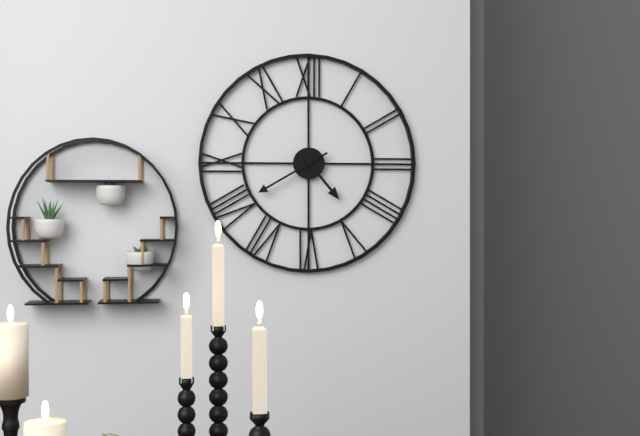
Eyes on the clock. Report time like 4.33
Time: 4.40
